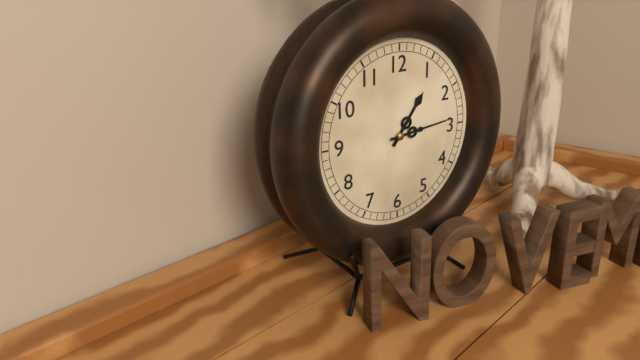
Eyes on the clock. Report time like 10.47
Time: 1.14
